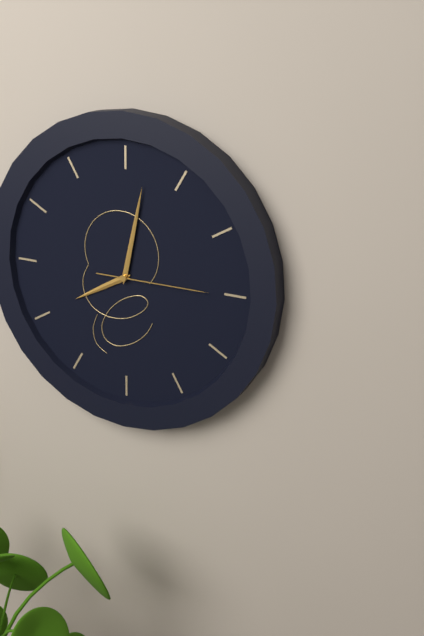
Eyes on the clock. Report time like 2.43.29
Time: 8.02.15
